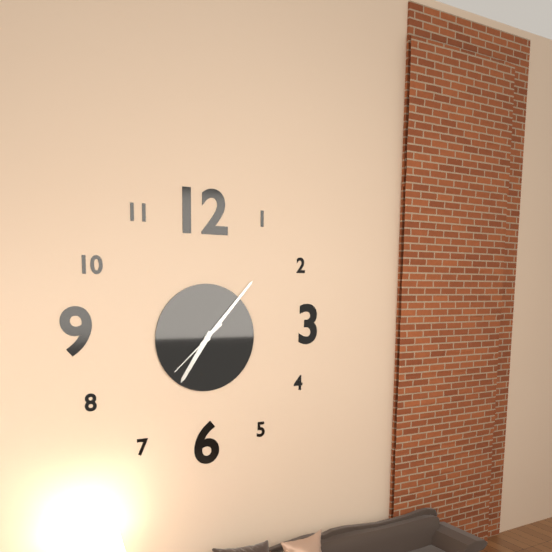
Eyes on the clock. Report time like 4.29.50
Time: 7.07.38
